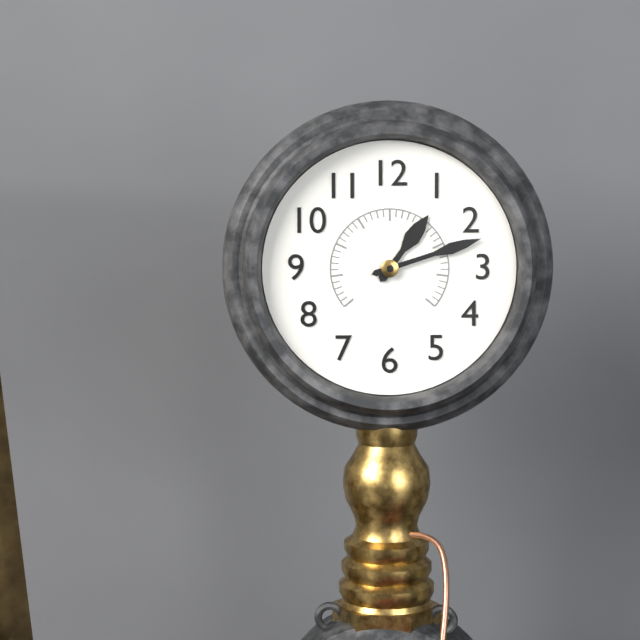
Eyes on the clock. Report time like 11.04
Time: 1.12
